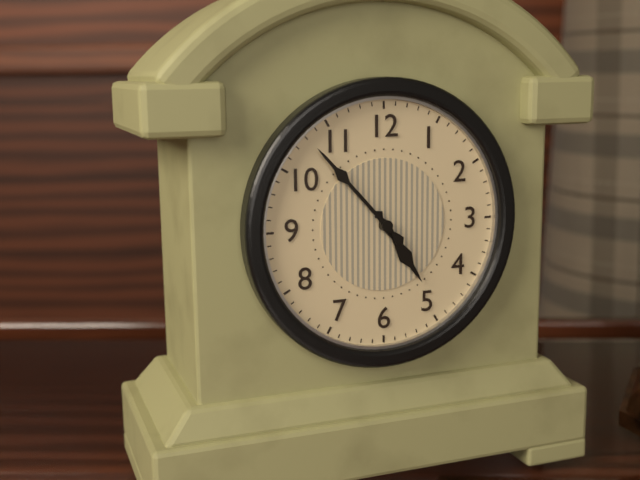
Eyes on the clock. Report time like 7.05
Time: 4.53
